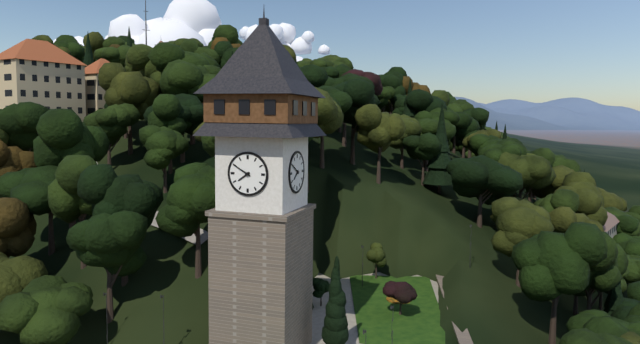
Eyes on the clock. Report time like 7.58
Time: 7.50
